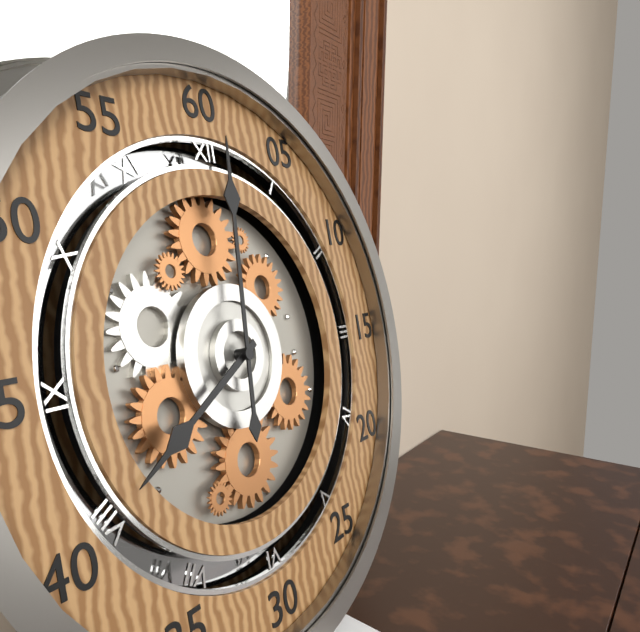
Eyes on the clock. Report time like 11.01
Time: 8.01
